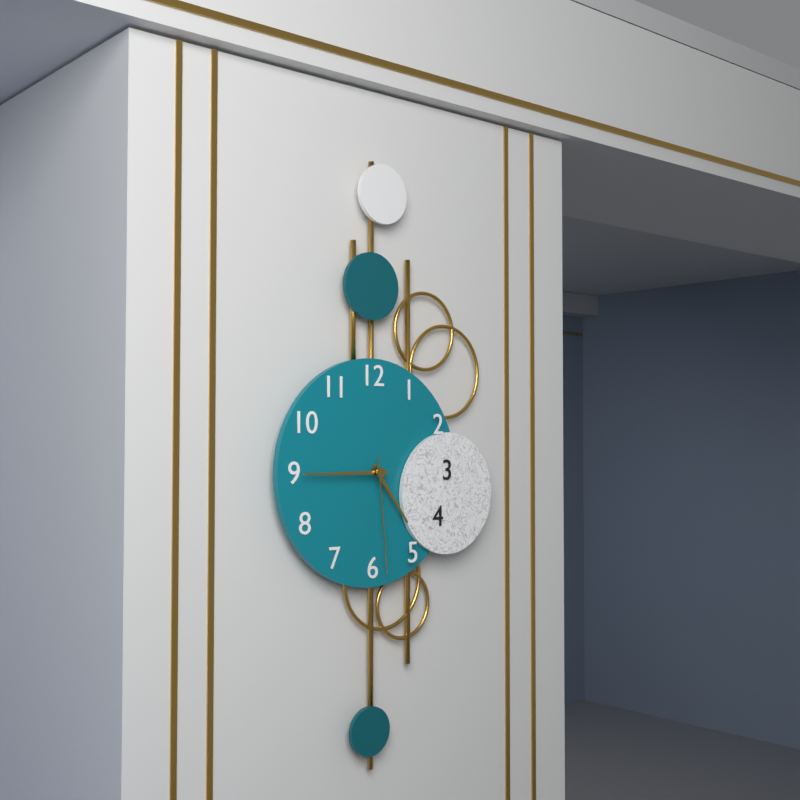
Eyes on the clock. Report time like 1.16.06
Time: 4.45.29
